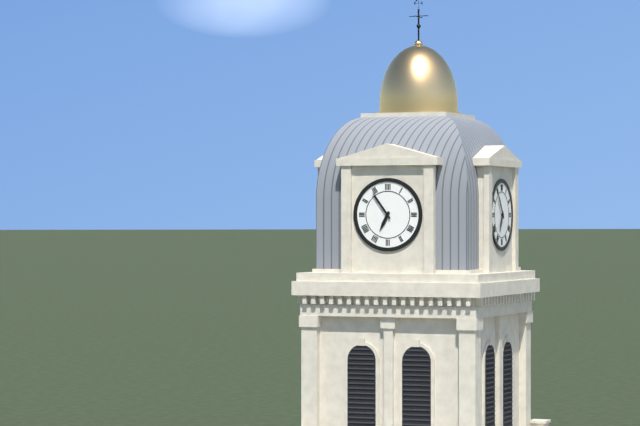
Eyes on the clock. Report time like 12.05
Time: 6.54
